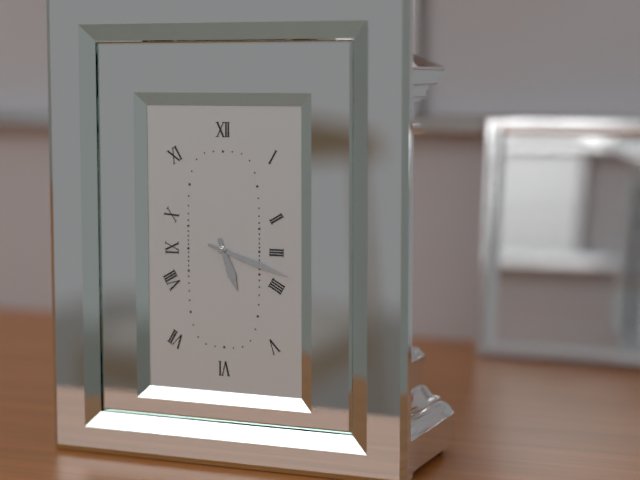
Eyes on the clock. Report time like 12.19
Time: 5.18
